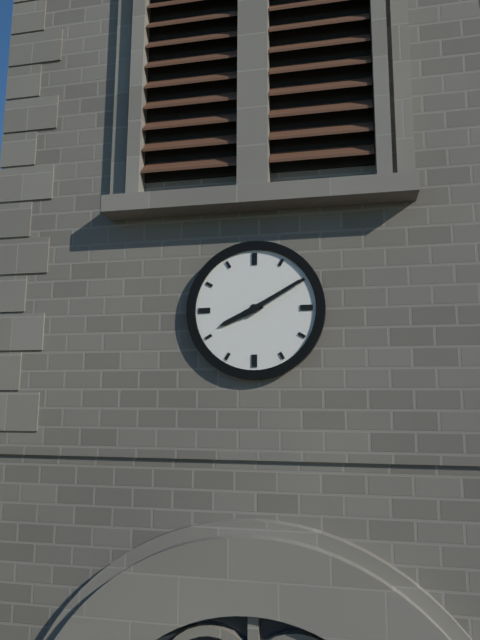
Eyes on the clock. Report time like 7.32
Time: 8.10
